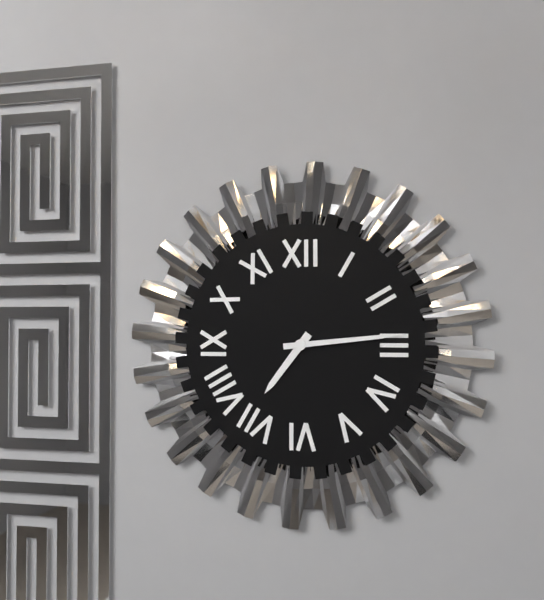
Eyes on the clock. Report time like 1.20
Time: 7.14
